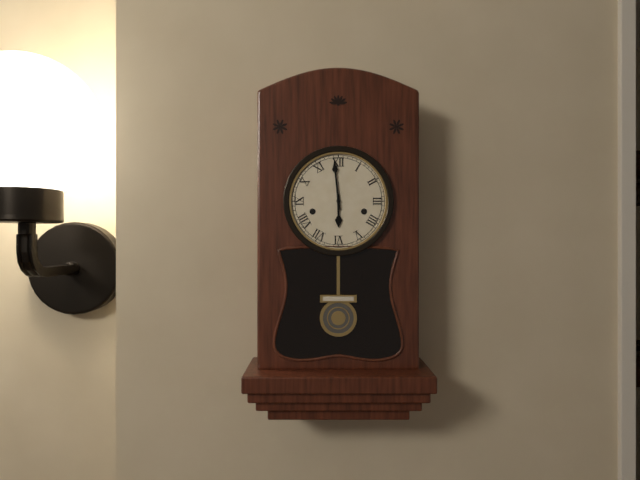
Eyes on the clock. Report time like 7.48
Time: 5.59
